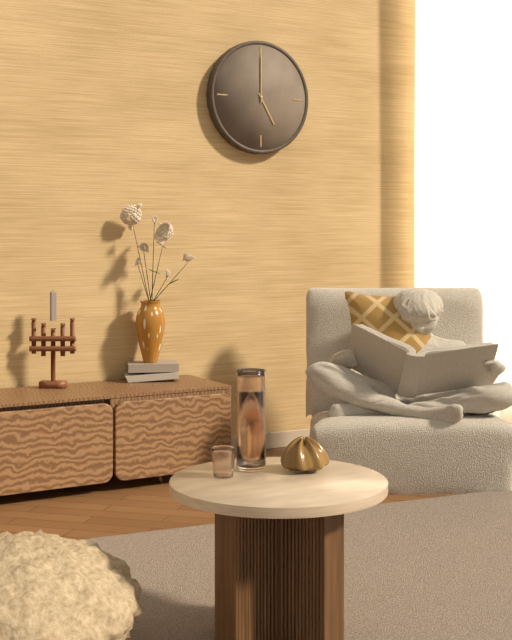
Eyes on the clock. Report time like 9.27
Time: 5.00
